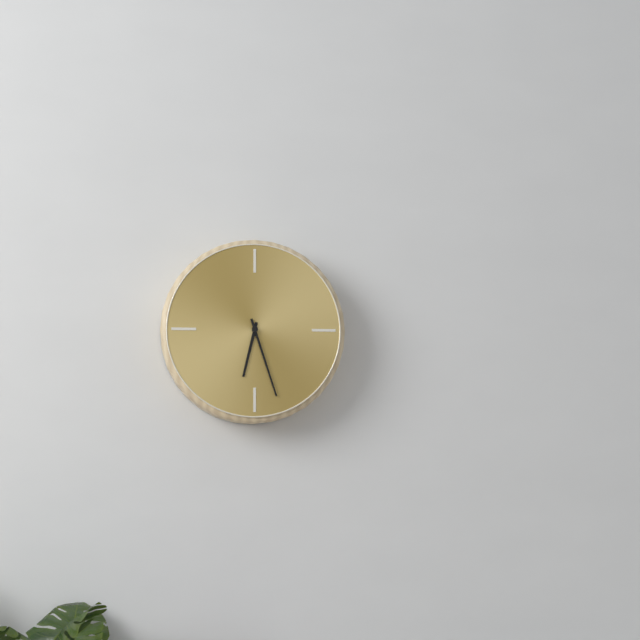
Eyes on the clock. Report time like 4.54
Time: 6.27
